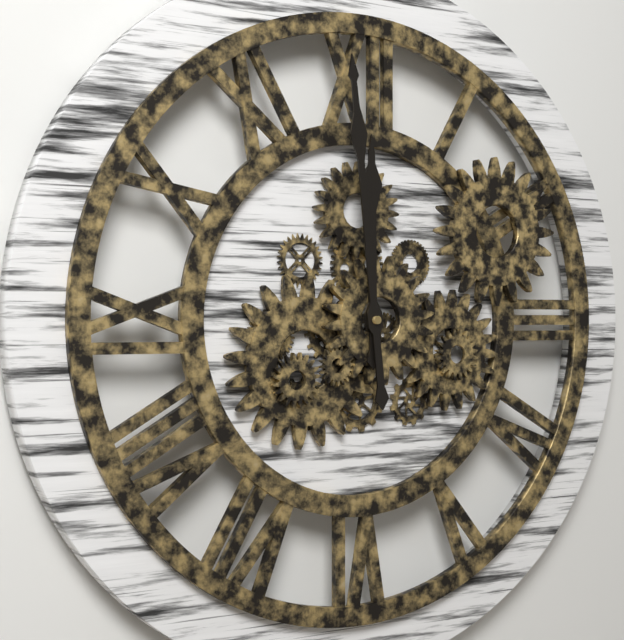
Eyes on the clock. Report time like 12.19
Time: 11.59
